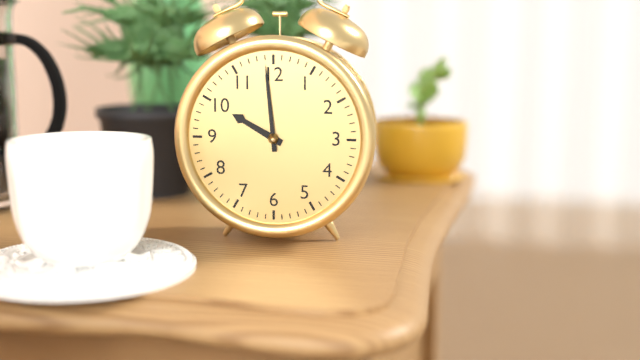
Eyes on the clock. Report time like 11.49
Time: 9.59
